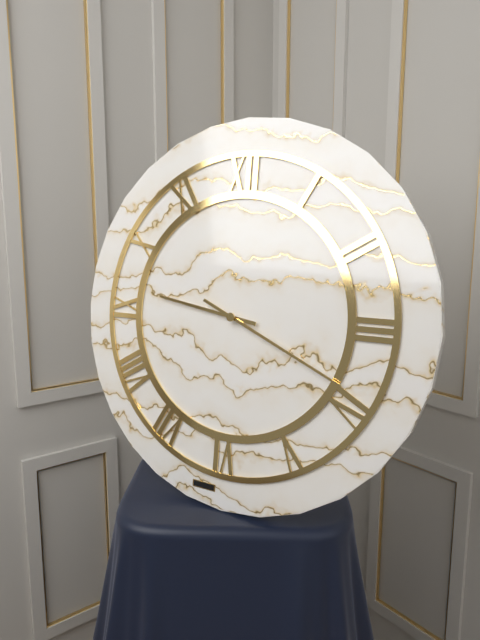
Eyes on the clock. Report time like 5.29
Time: 9.19
